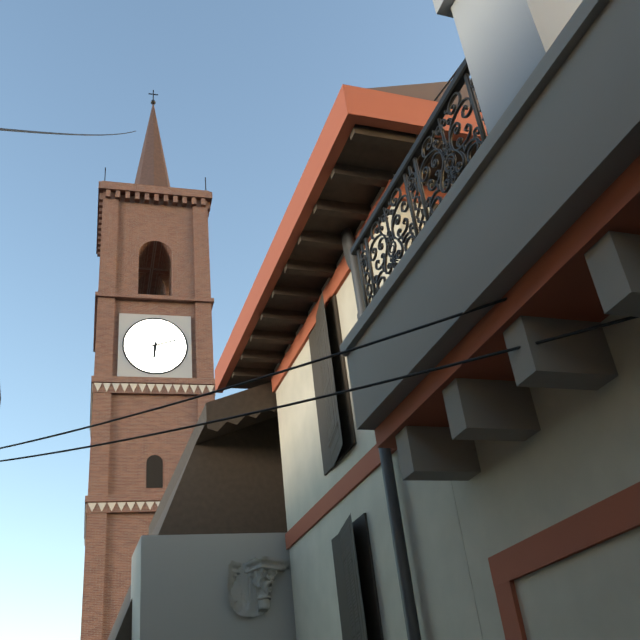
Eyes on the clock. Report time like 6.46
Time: 6.12
